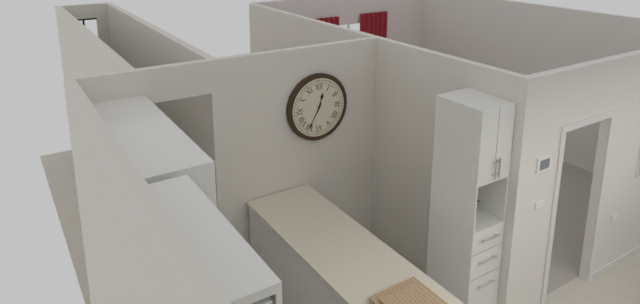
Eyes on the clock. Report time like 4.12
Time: 12.35
